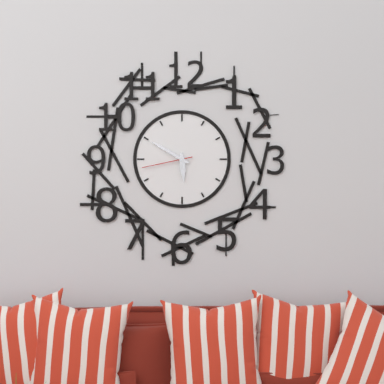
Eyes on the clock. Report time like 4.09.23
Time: 5.50.43
